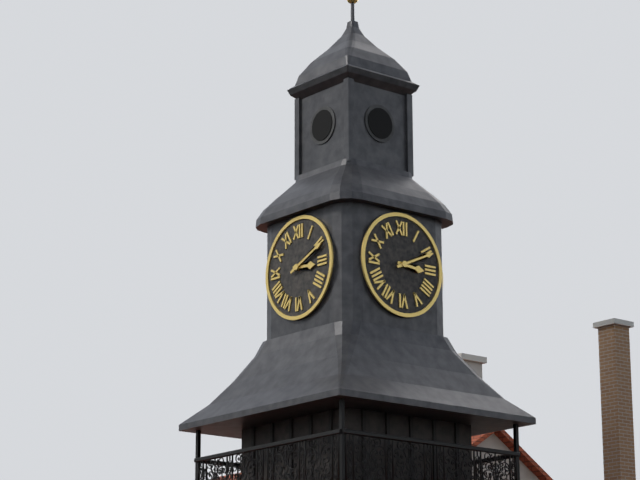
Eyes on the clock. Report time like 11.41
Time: 3.11
